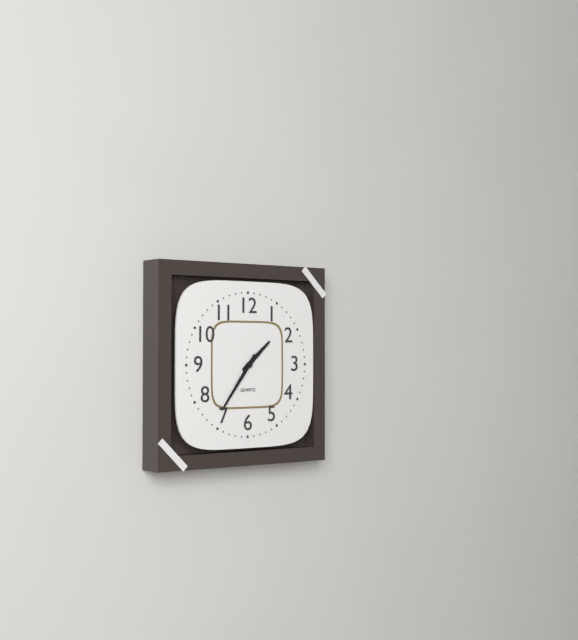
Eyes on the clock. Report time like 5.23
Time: 1.36
